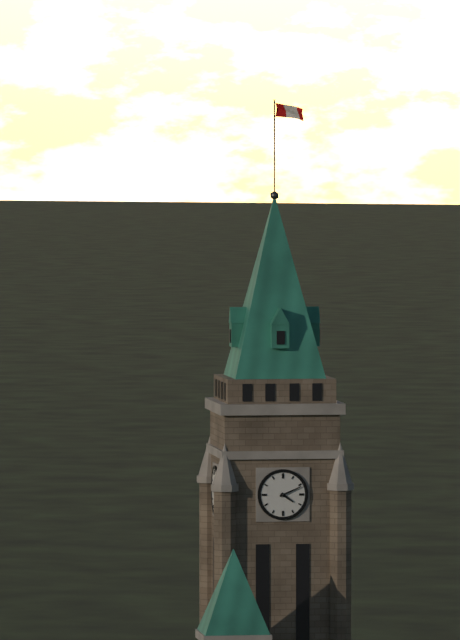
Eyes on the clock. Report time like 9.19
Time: 4.11
